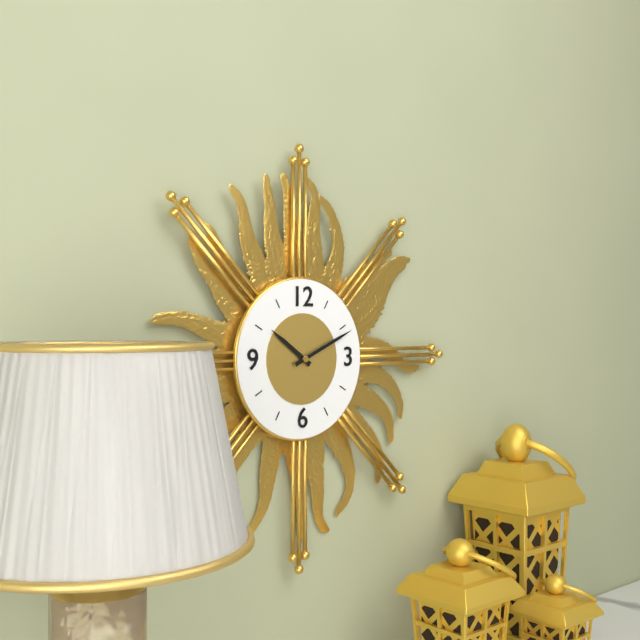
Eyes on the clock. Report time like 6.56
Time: 10.11
